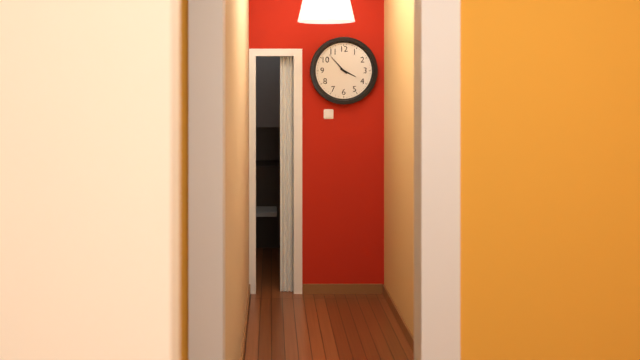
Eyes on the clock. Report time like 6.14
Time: 3.53
